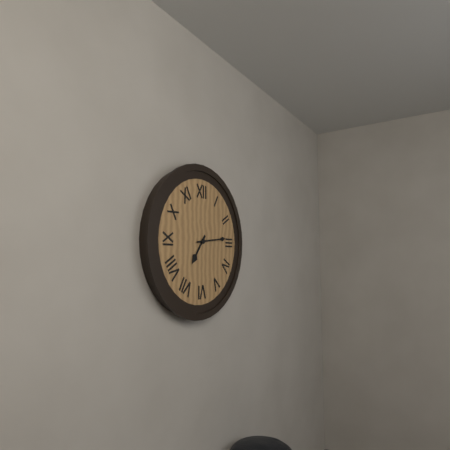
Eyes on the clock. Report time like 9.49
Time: 7.14
